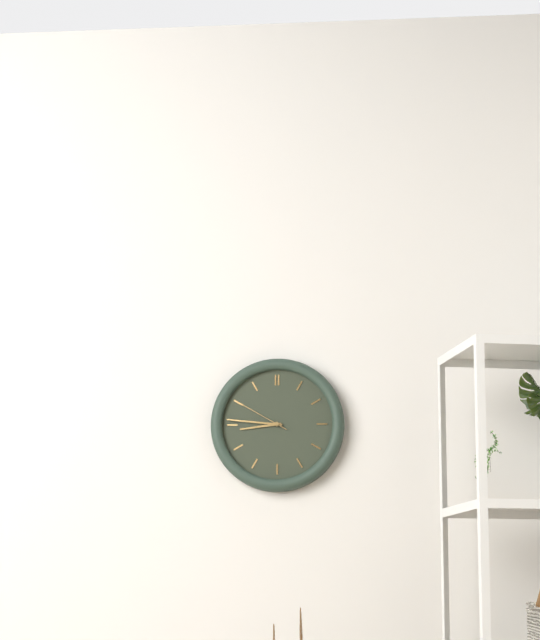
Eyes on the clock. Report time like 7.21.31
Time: 8.46.50
